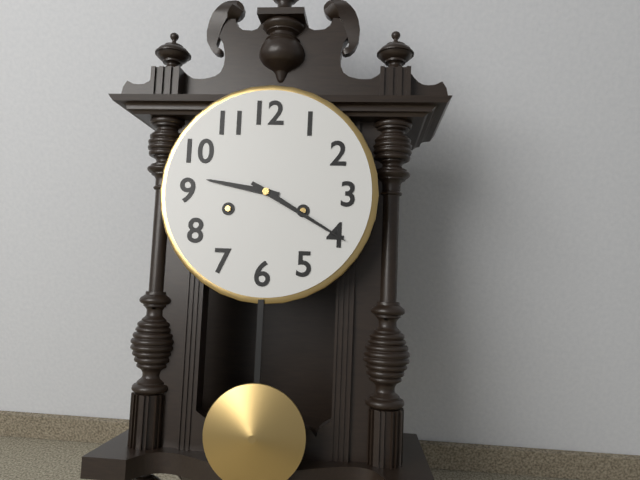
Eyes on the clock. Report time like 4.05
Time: 9.20
